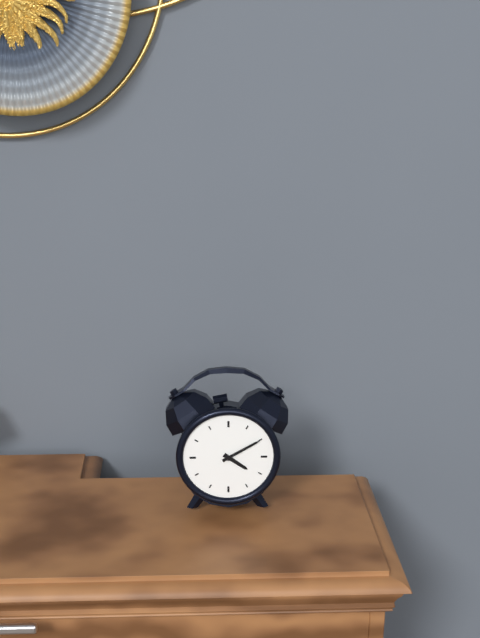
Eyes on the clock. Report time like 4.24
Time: 4.10
